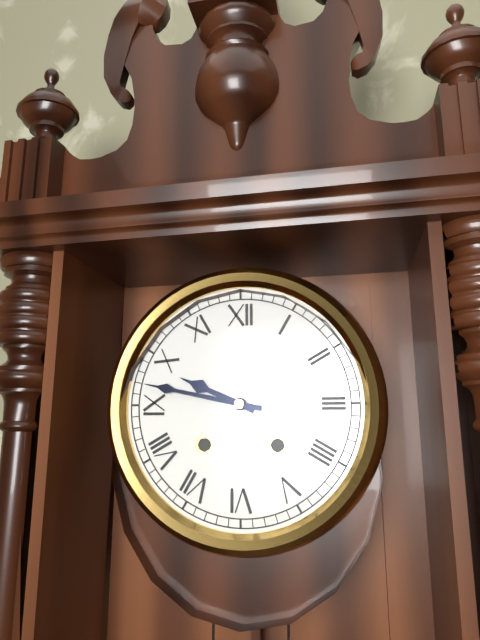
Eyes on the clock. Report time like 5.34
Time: 9.47
